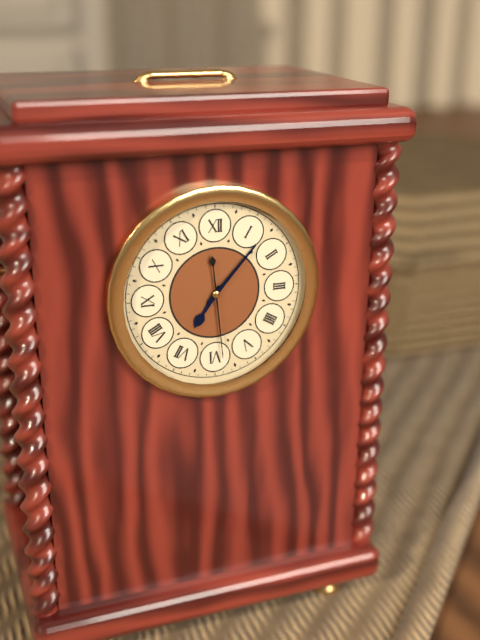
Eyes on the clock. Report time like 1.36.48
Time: 7.07.29
